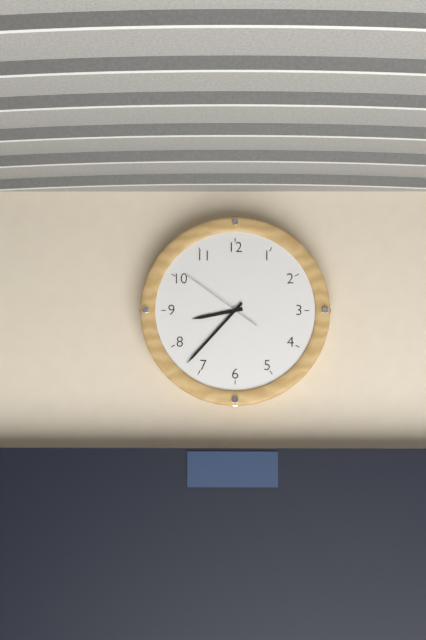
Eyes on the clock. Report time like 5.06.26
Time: 8.37.51
